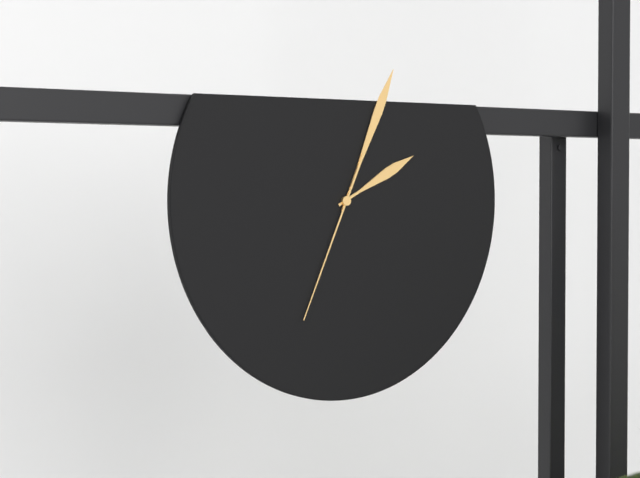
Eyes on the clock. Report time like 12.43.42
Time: 2.04.34
